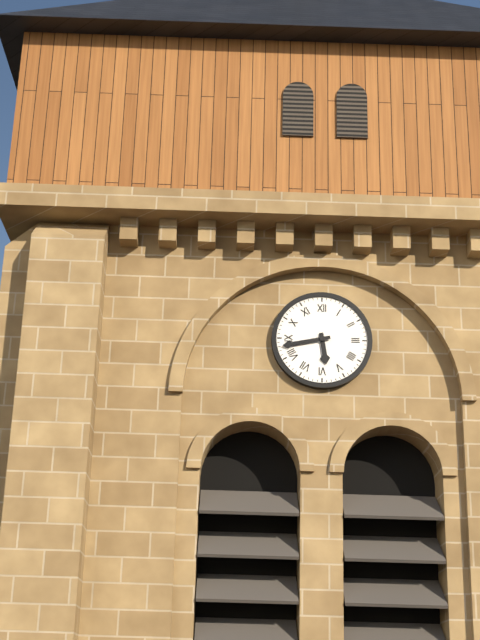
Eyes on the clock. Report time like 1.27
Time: 5.43
